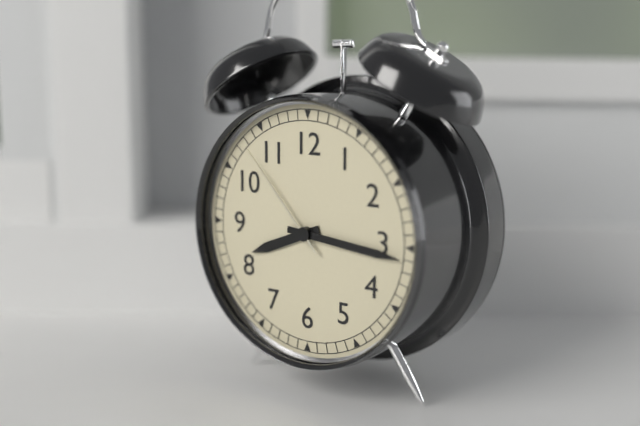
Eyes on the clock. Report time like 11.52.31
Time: 8.16.53
